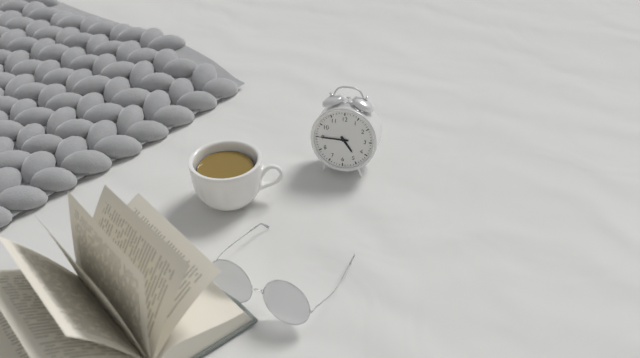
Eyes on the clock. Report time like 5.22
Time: 4.45
